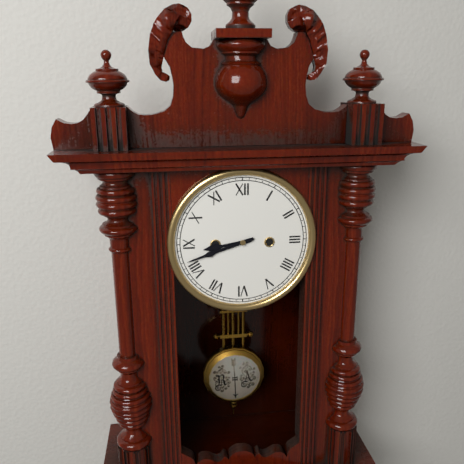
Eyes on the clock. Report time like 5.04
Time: 8.42
